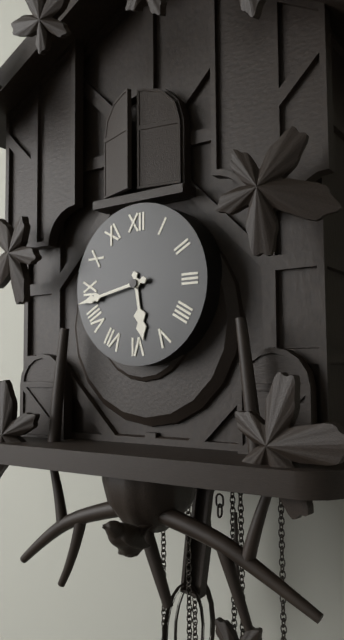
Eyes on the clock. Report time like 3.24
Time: 5.43
